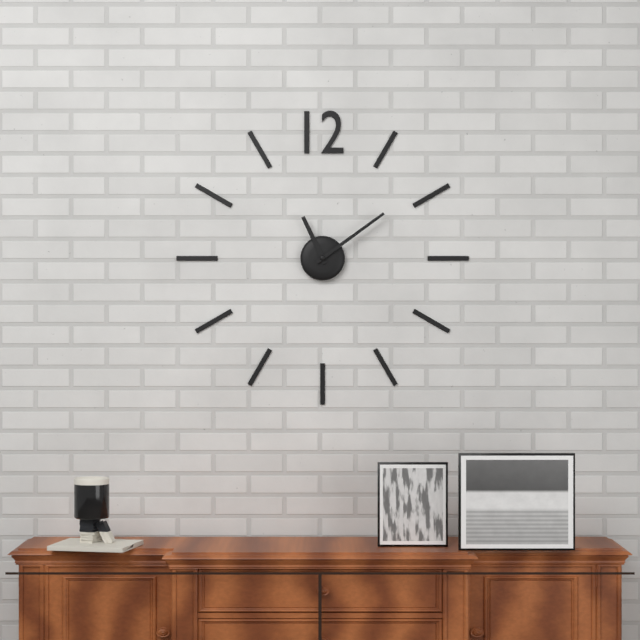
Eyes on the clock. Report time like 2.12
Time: 11.09
